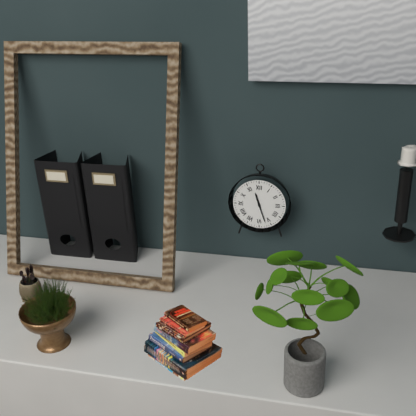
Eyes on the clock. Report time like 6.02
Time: 11.27
